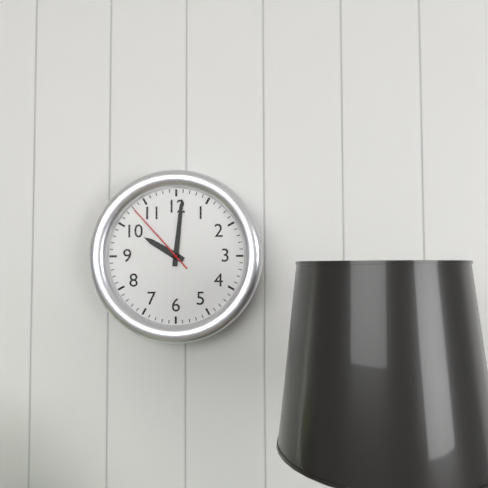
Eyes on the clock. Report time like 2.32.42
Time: 10.01.53
